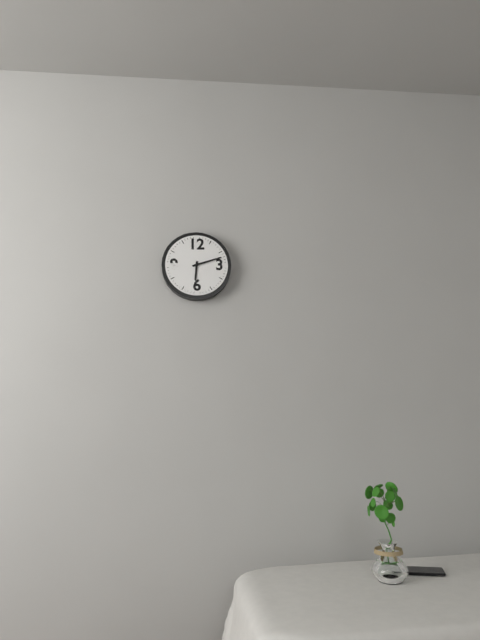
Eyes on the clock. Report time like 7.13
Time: 6.12
